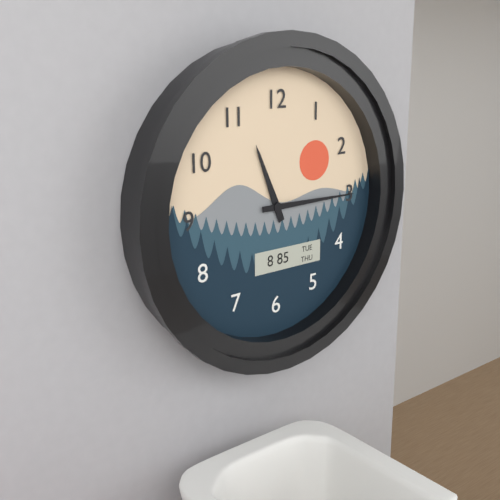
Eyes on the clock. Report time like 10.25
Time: 11.15
